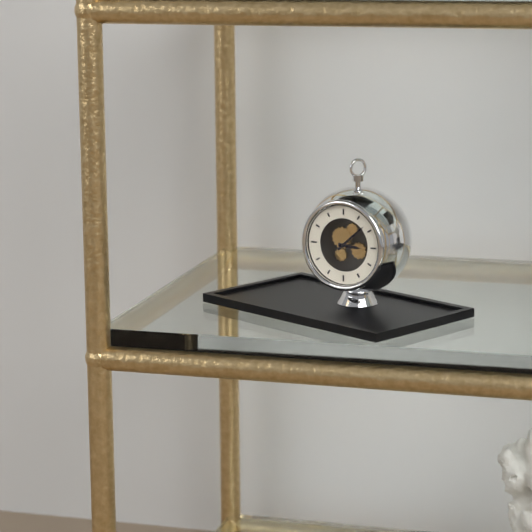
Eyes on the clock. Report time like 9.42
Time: 3.08
